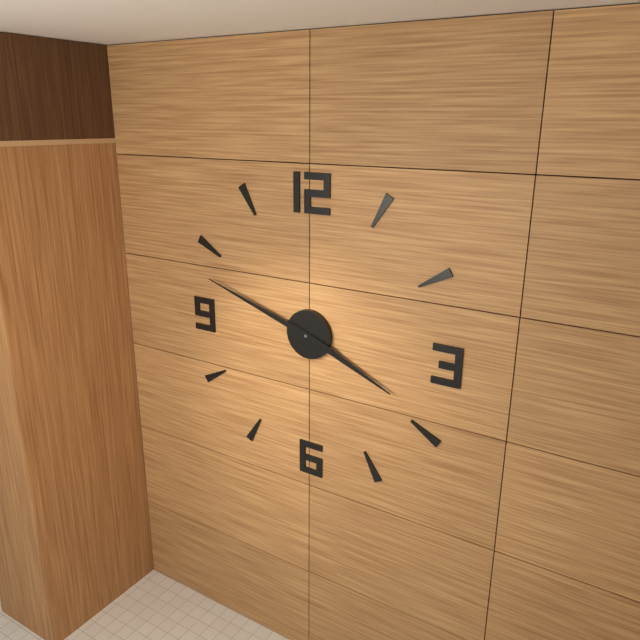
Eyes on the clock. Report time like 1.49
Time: 3.48
